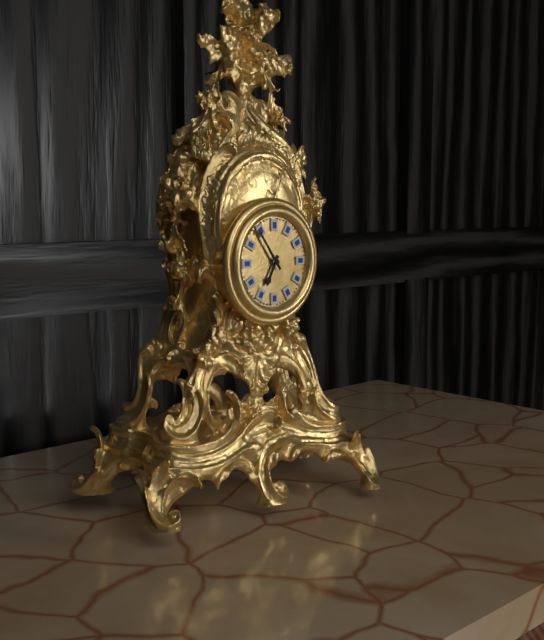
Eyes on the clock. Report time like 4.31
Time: 6.54
